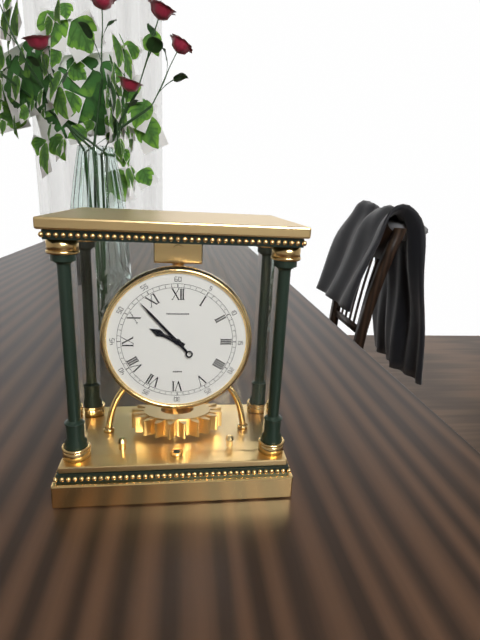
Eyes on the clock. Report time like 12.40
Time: 9.53
